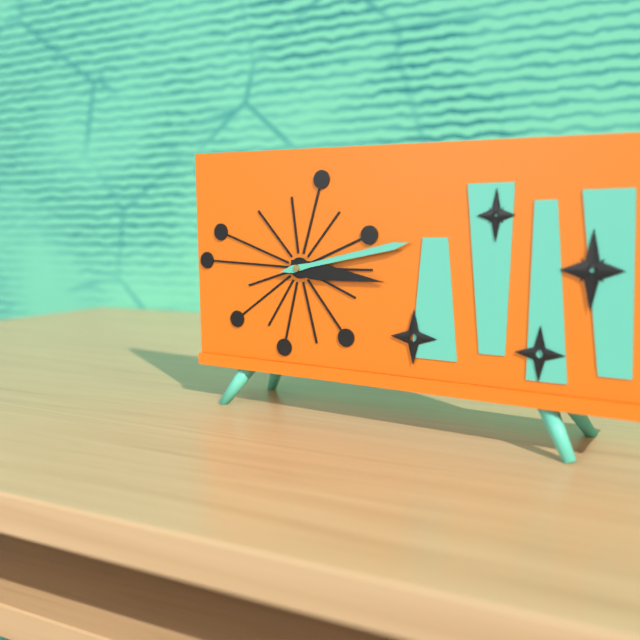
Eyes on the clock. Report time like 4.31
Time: 3.13
